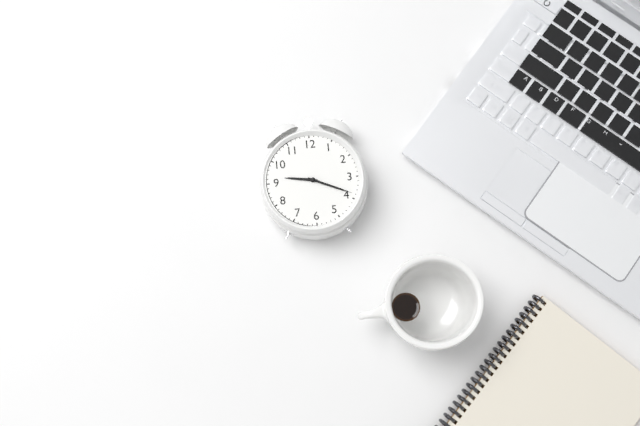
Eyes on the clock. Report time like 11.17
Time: 9.19
